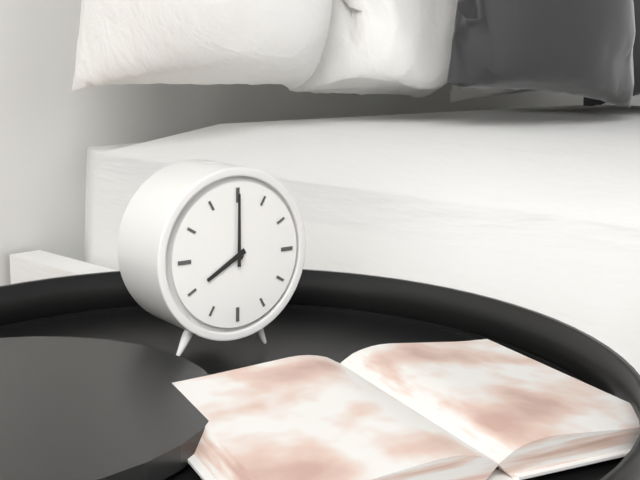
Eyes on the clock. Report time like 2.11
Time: 8.00
